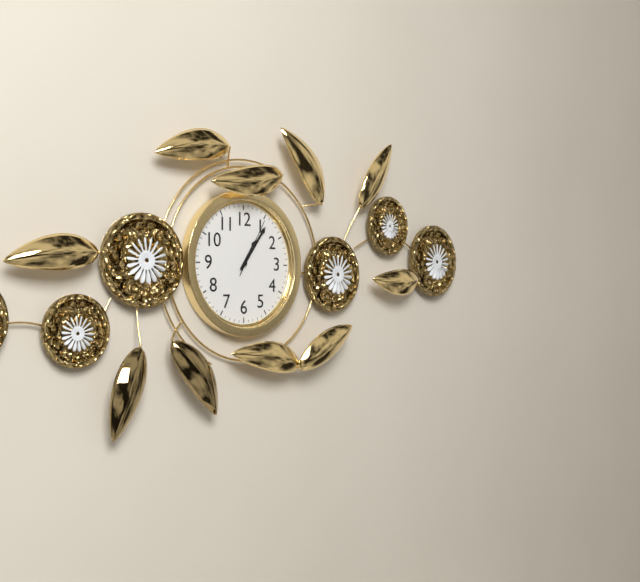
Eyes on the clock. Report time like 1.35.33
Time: 1.06.05
